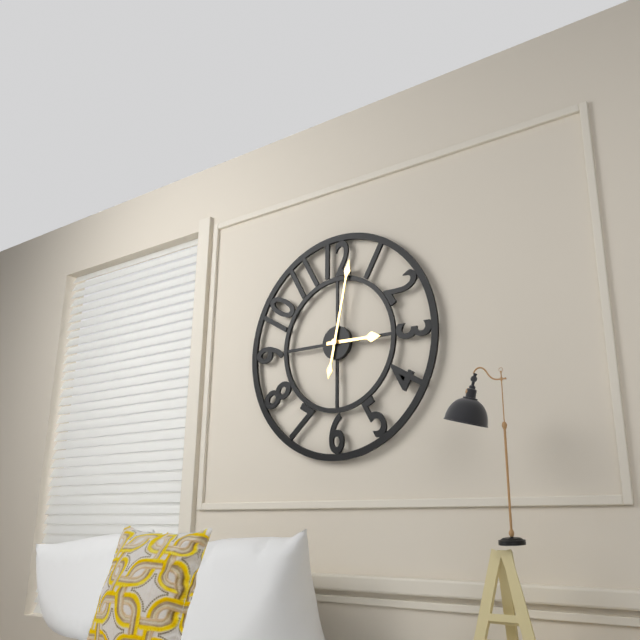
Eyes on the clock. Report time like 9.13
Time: 3.02
